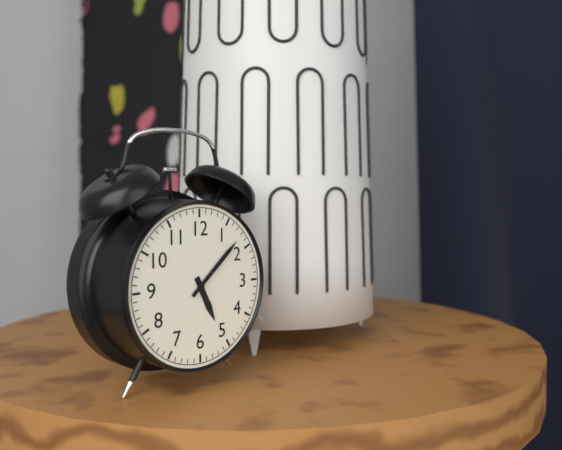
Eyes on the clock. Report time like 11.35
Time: 5.08
